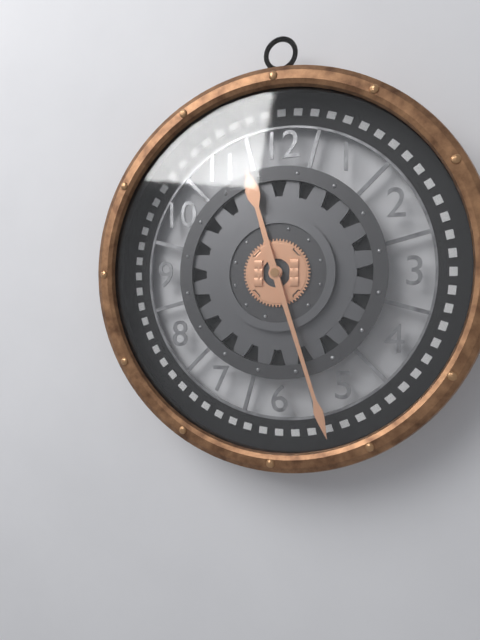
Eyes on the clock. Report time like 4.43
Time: 11.27
